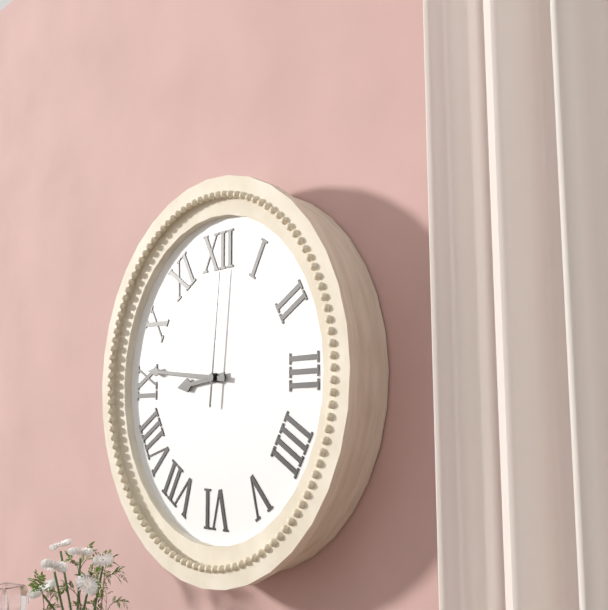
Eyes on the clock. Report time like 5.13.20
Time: 8.46.01
